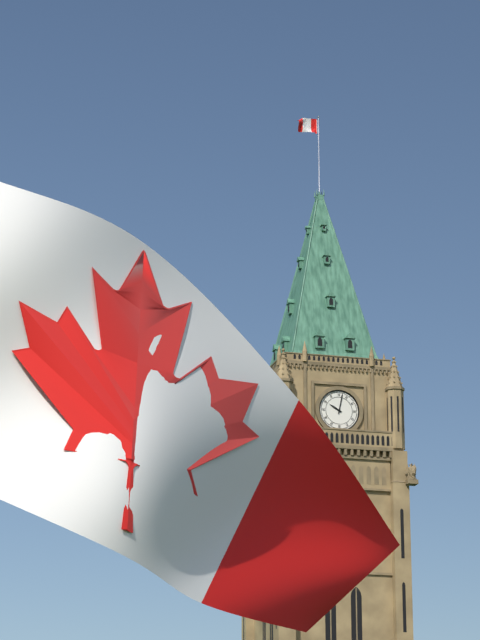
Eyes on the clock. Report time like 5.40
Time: 10.02
